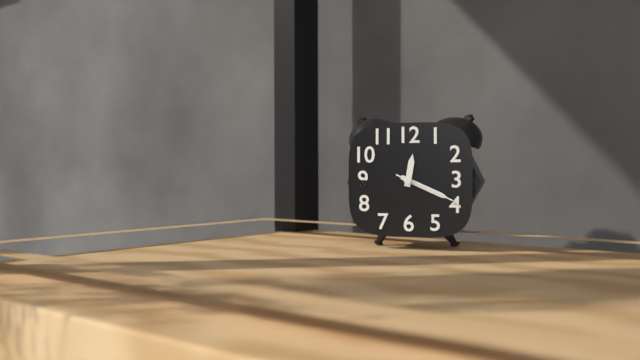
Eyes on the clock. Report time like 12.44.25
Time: 12.19.19
